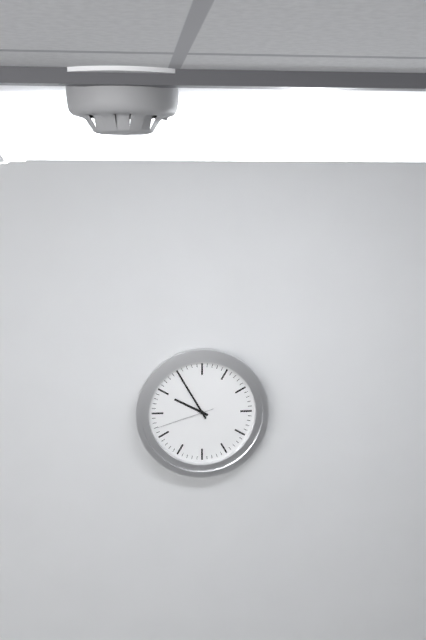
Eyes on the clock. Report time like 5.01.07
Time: 9.55.42
